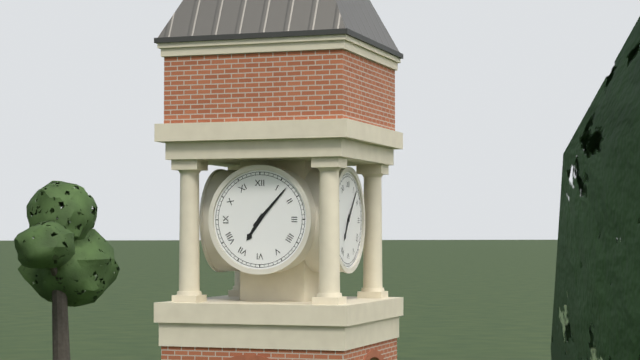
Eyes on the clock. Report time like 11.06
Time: 7.07
